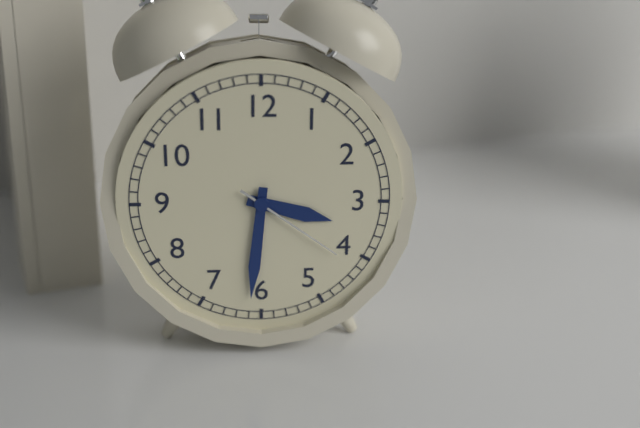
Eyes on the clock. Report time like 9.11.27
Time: 3.31.21
